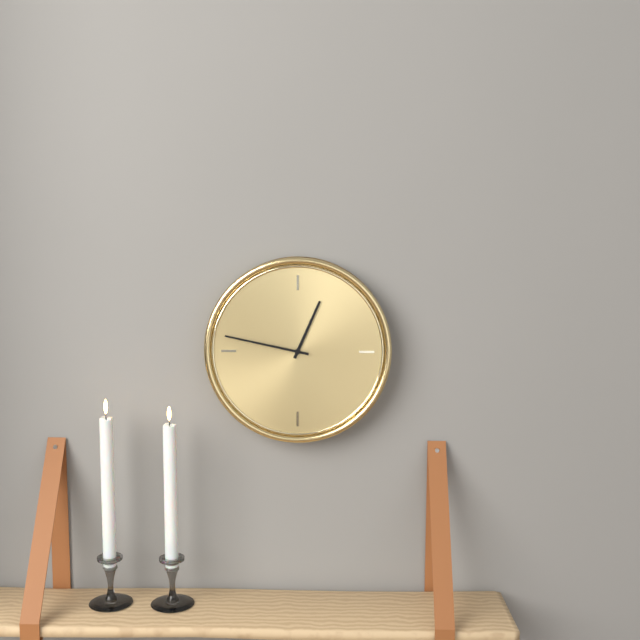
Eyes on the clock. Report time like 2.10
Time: 12.47
